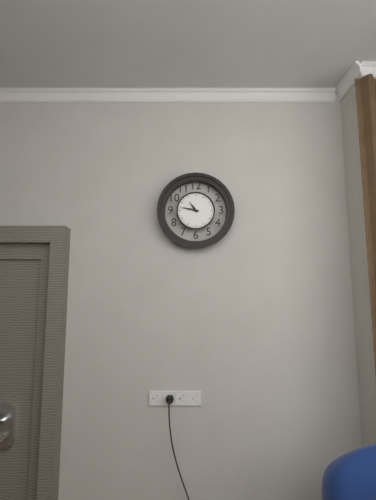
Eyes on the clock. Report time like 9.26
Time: 10.47
